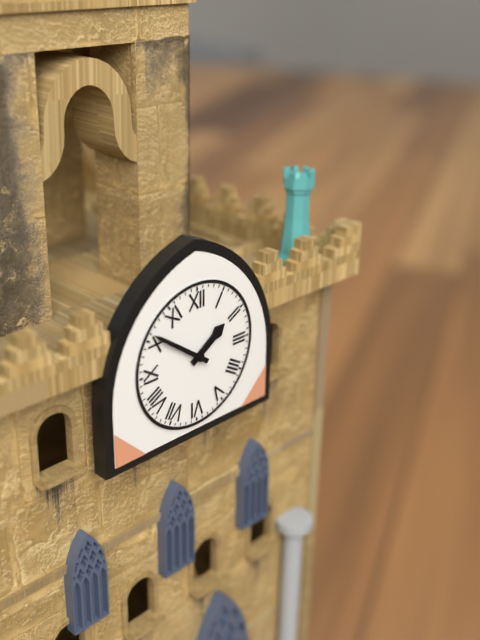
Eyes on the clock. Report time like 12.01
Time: 1.51
